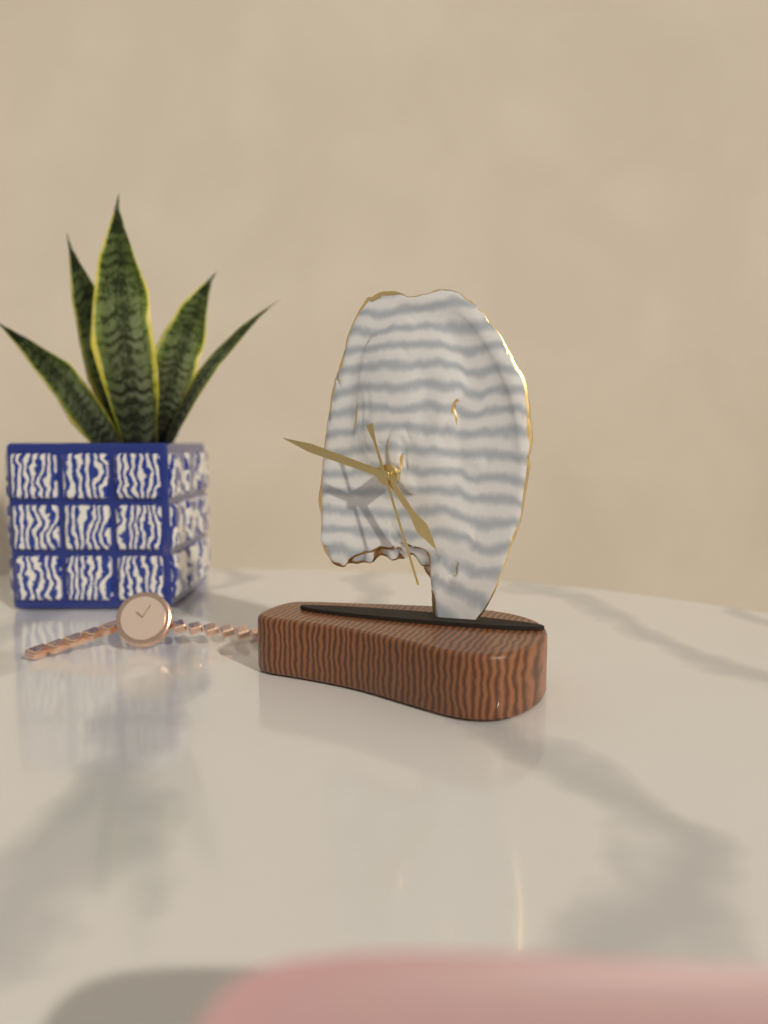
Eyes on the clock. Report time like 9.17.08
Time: 4.48.27
